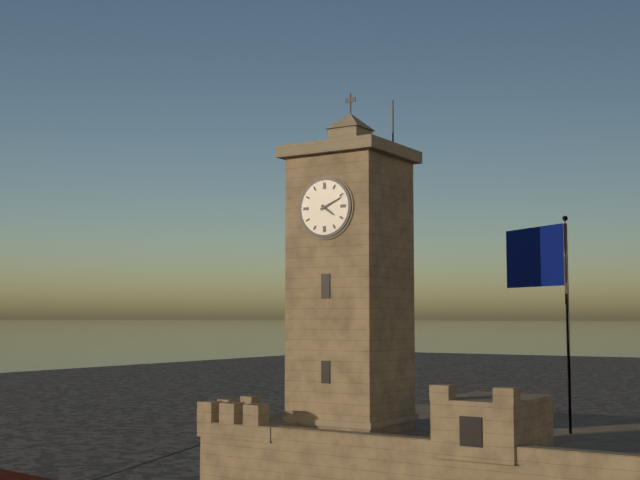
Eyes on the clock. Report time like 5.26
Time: 4.11
